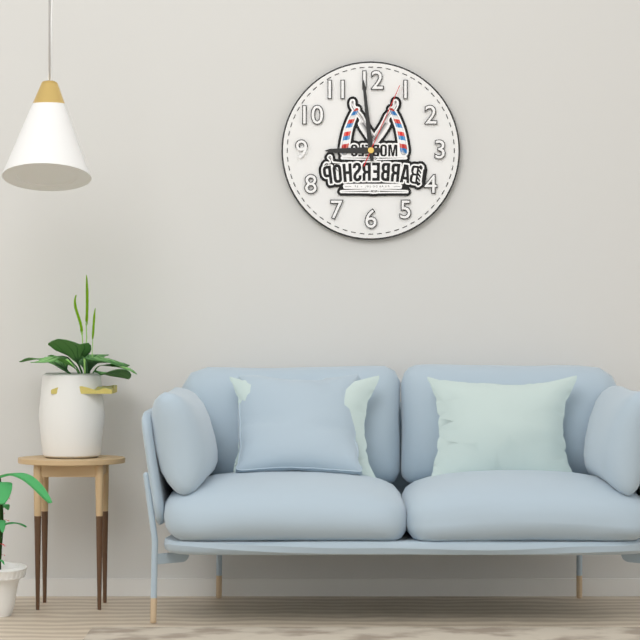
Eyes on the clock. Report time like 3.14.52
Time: 8.59.04
